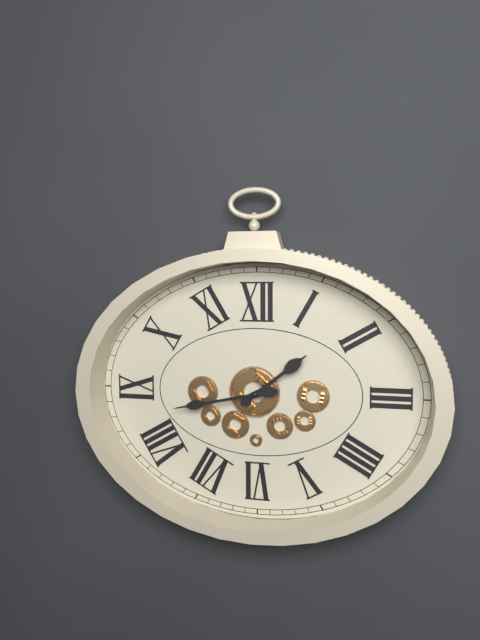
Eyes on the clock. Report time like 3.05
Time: 1.43
